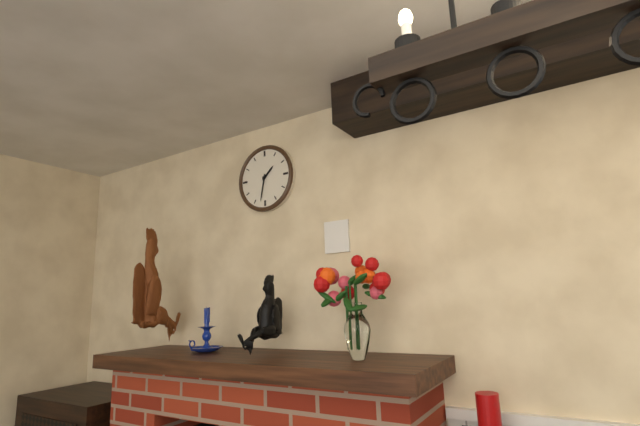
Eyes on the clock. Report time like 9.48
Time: 1.32
